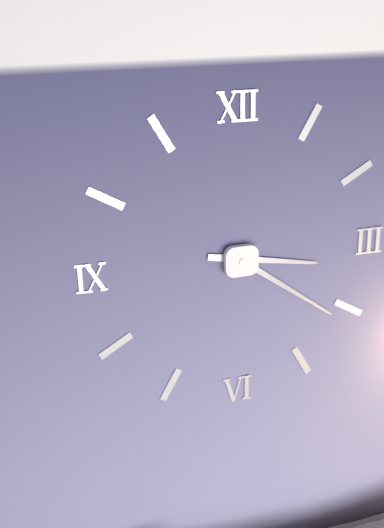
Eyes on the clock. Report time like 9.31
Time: 3.21
